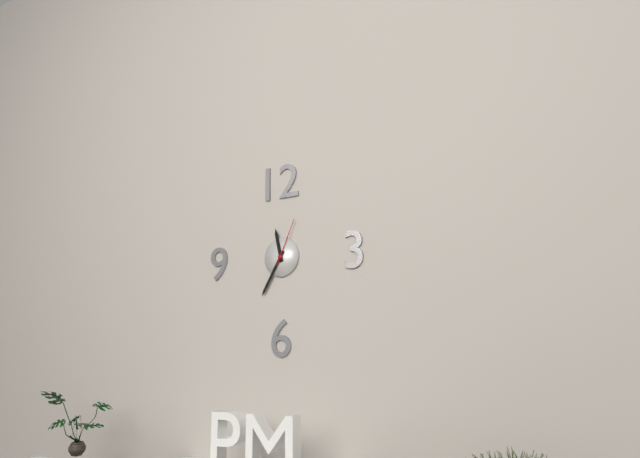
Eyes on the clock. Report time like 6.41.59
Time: 11.35.04
